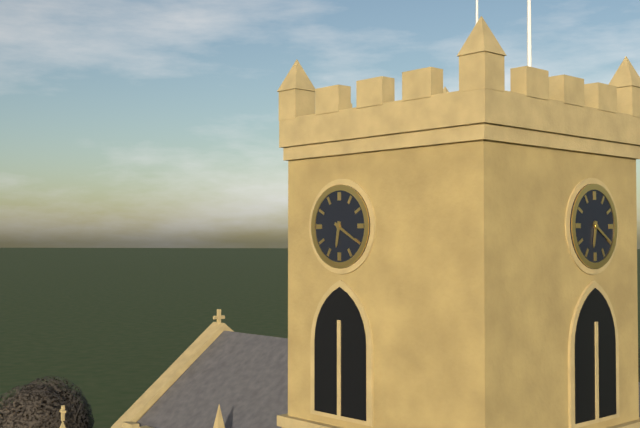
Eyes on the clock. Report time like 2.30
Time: 6.20
